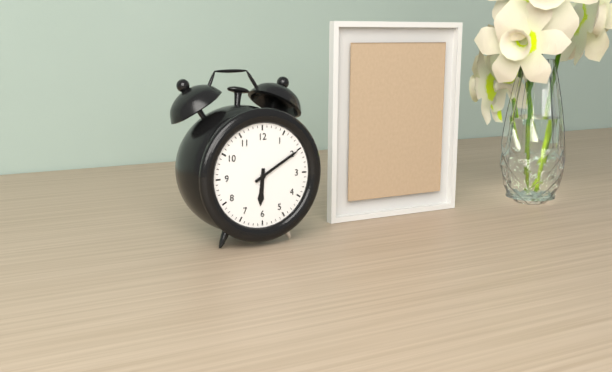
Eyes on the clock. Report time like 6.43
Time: 6.10
